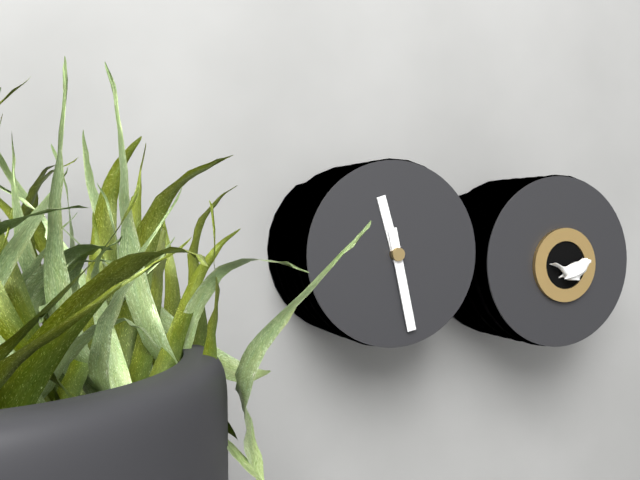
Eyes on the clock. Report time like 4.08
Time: 11.28
